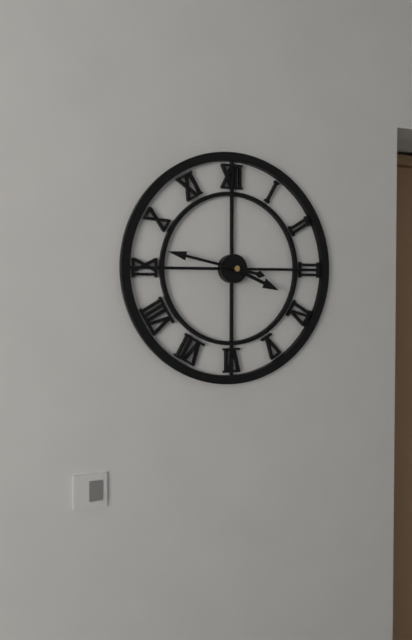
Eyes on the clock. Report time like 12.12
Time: 3.47
